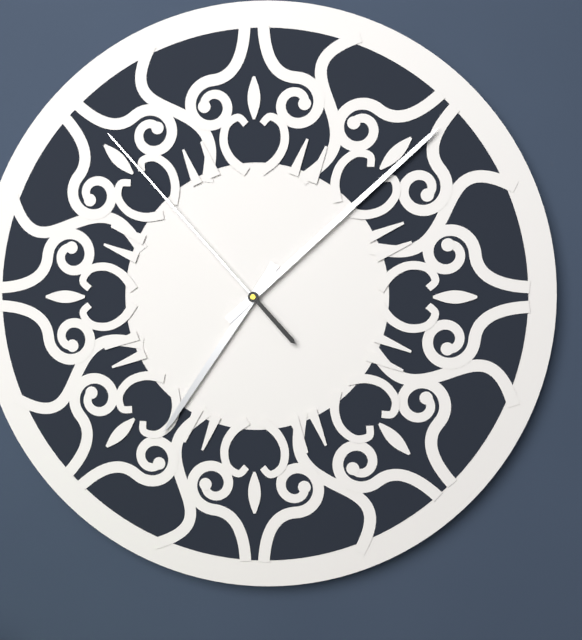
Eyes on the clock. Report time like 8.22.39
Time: 7.08.53
